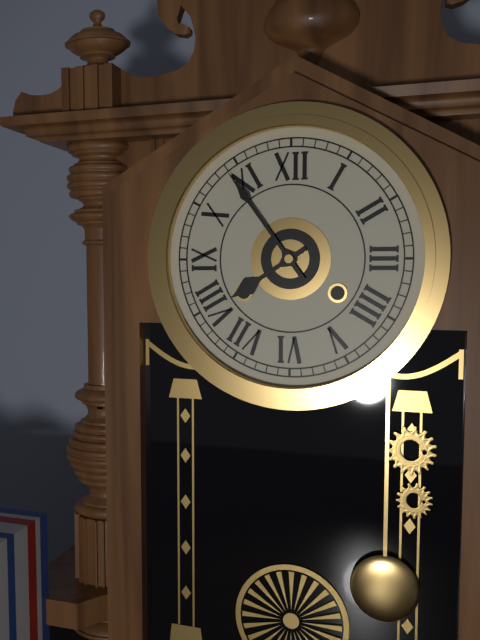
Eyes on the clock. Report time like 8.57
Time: 7.54
